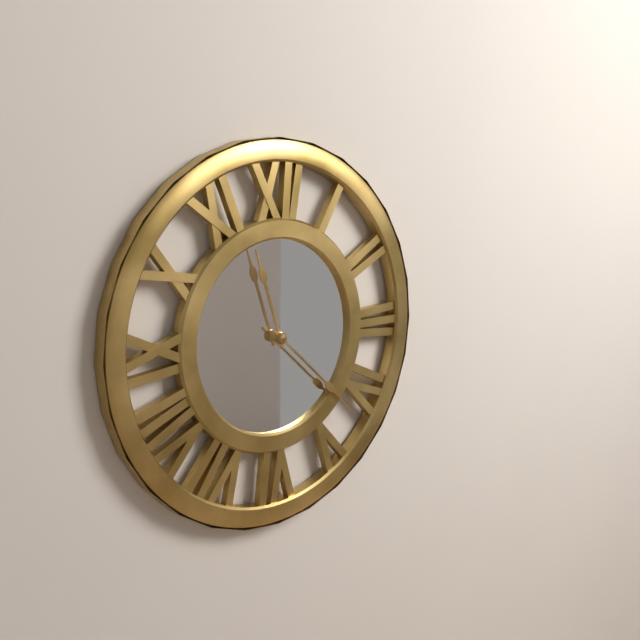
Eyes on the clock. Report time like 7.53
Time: 11.22
